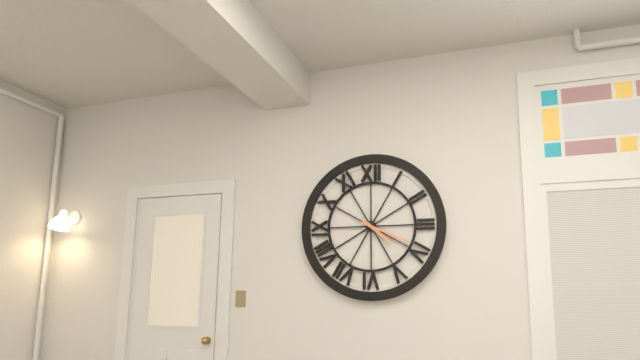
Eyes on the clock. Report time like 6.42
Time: 4.19
